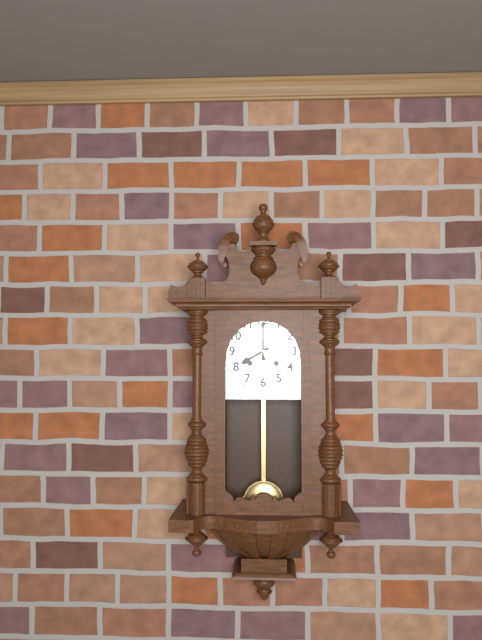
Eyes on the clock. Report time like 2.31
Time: 8.00
